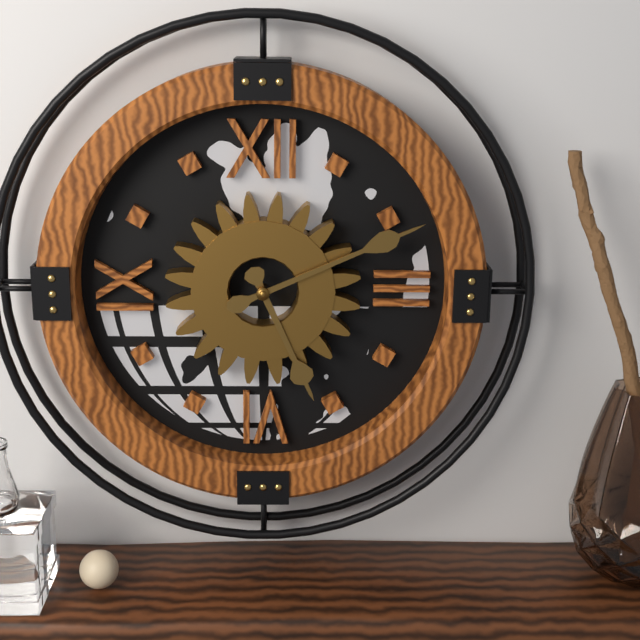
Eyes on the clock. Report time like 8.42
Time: 5.11
